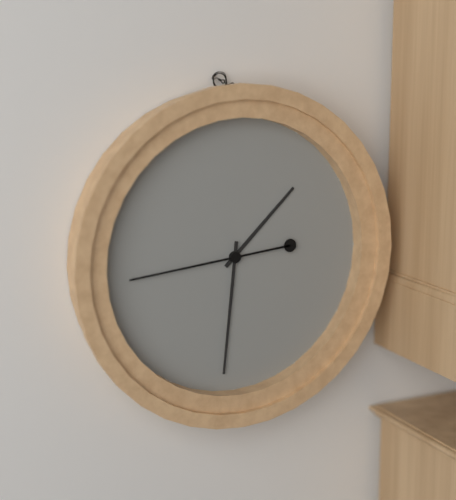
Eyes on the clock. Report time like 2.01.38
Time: 1.31.44
